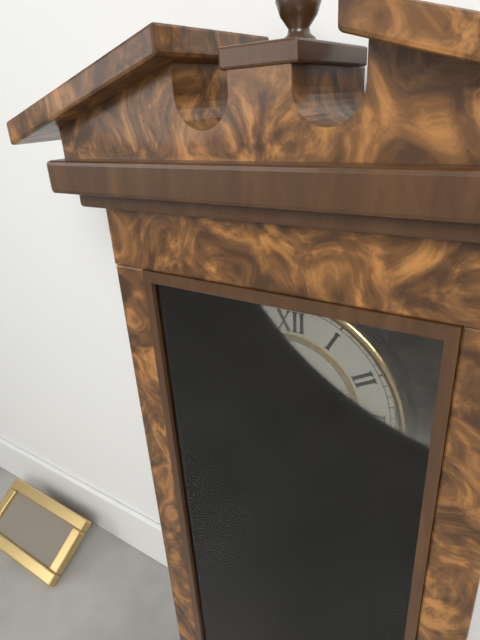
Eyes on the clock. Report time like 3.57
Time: 3.27
